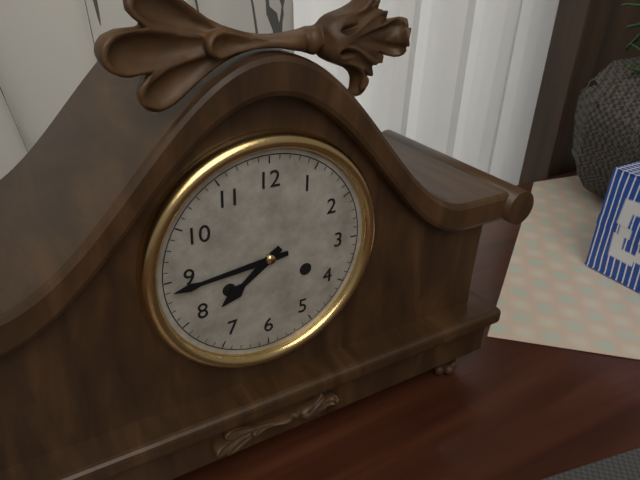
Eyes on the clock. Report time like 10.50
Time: 7.44
